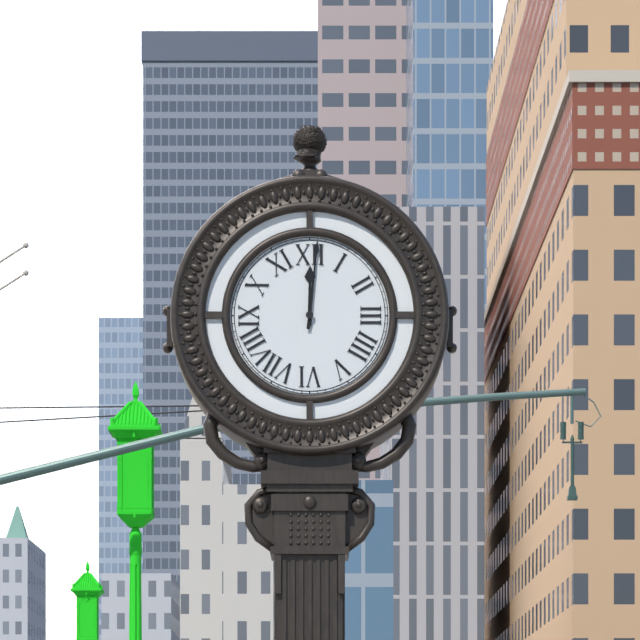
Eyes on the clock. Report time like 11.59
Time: 12.01
